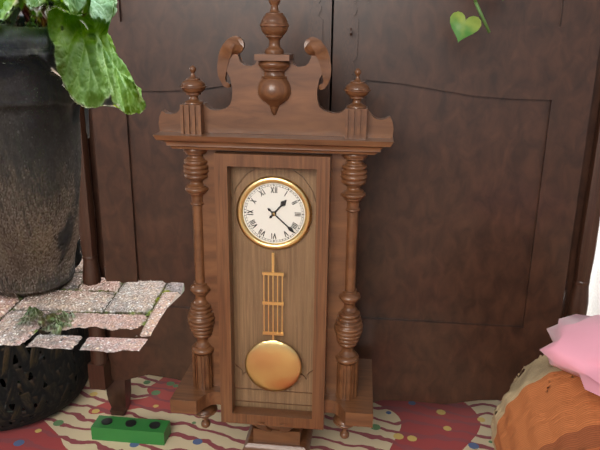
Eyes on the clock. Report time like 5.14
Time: 1.22
